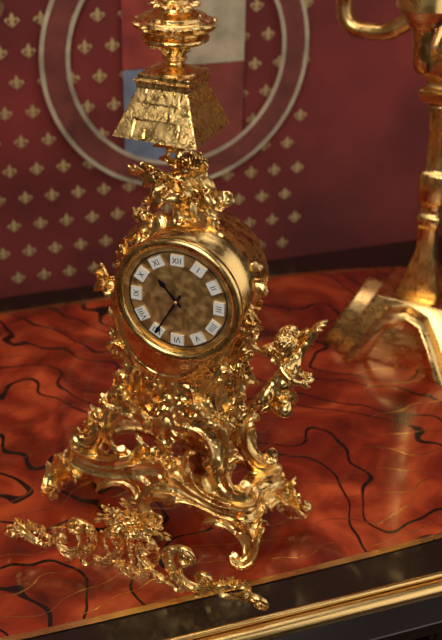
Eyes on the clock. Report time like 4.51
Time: 10.35
